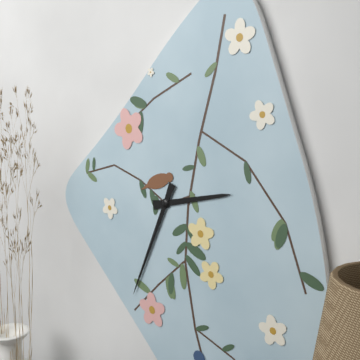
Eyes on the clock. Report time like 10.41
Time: 2.34
